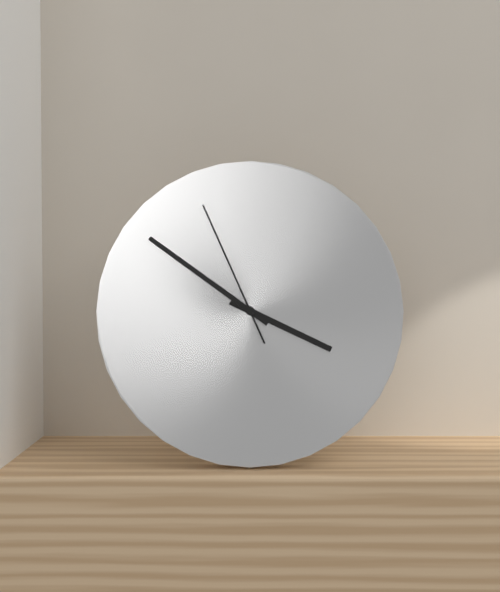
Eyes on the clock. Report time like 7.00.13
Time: 3.51.56
